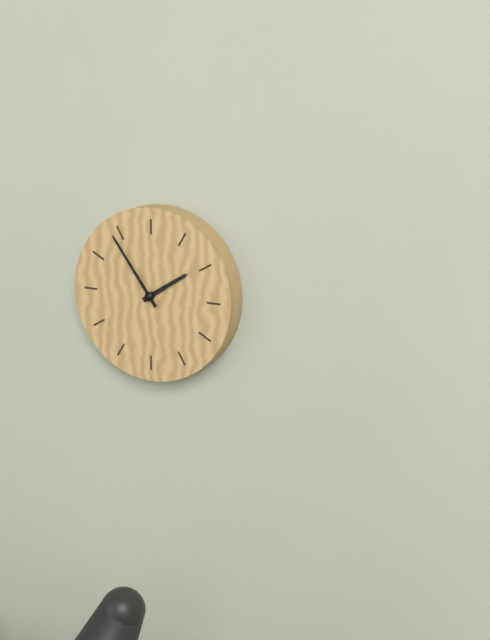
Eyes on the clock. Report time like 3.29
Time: 1.54
